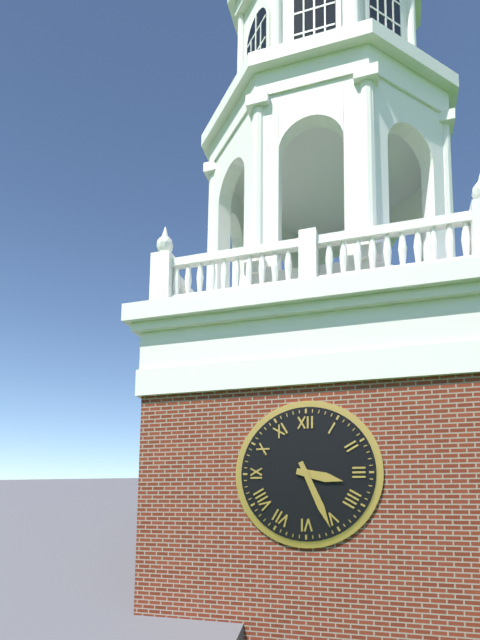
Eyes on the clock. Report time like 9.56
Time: 3.26
